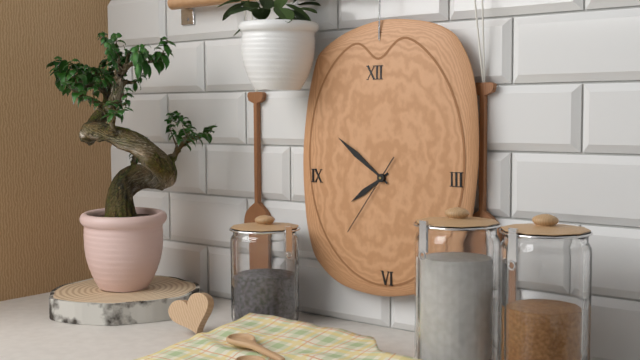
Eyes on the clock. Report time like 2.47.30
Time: 7.51.36
